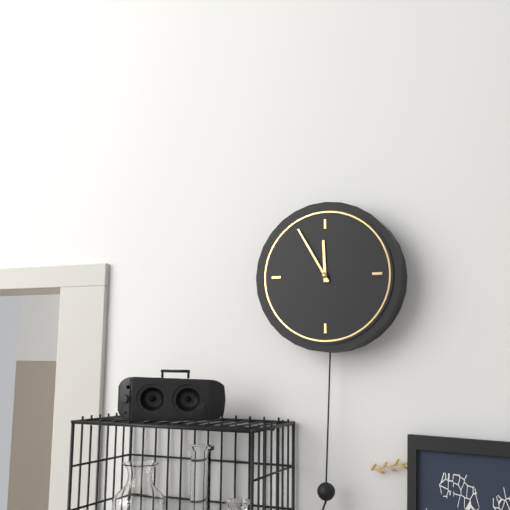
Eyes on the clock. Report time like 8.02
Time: 11.55
